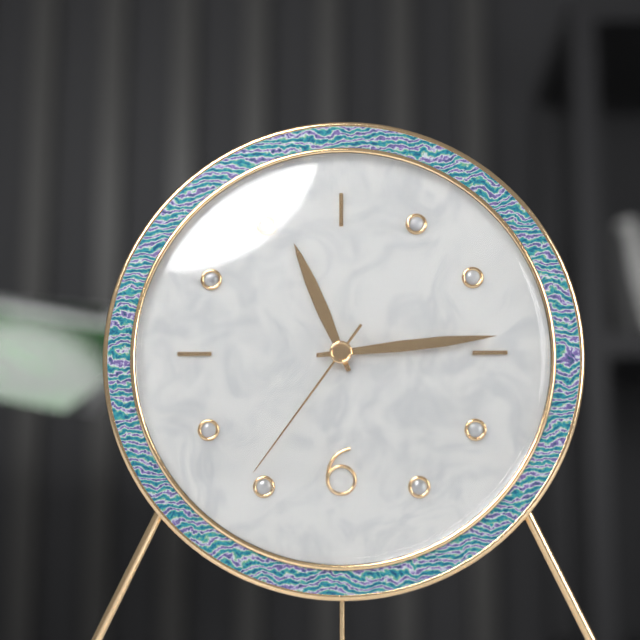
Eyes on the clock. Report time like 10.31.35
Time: 11.14.36
